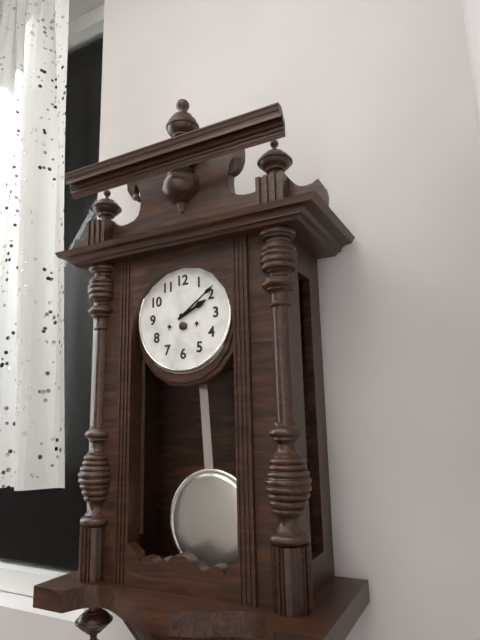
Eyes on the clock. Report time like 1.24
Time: 2.09
